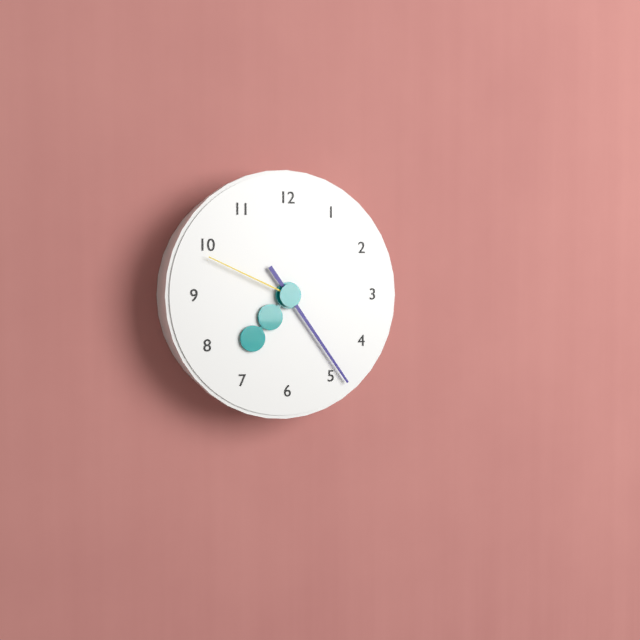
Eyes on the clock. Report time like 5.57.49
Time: 7.24.49
